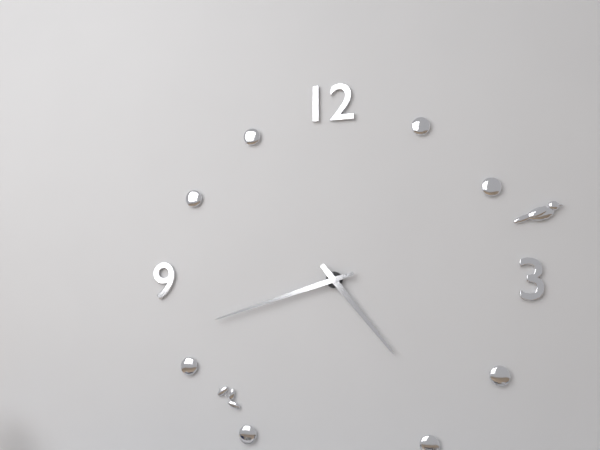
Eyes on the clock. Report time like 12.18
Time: 4.42
